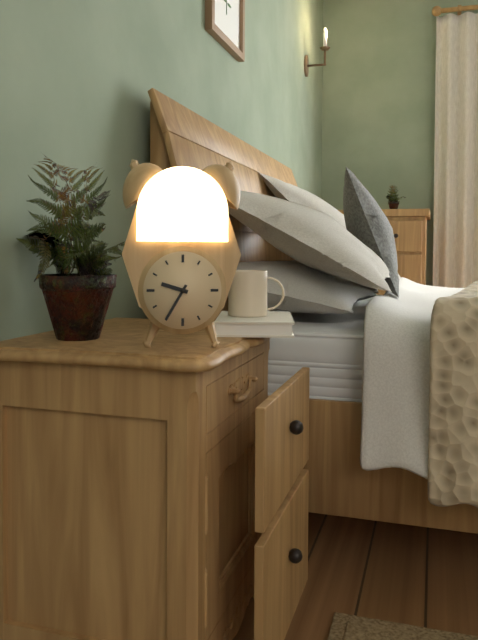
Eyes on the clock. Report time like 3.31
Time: 9.35
